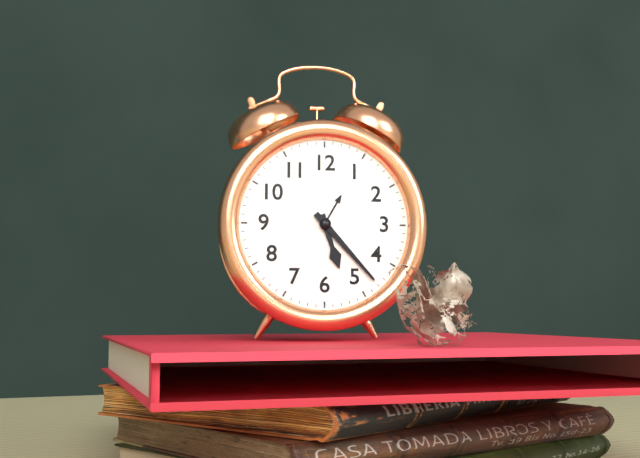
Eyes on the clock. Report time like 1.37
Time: 5.23
